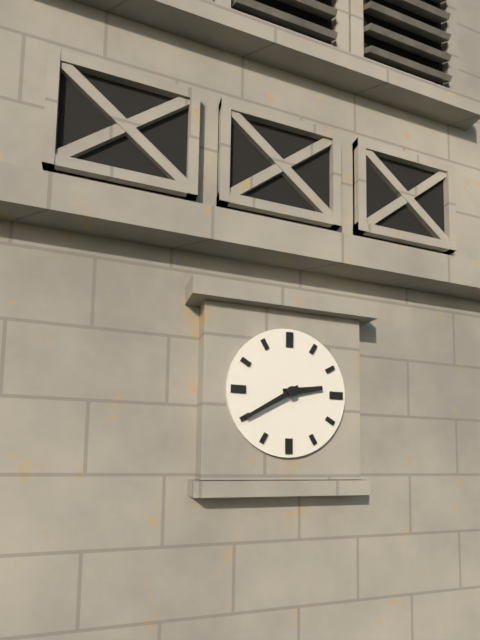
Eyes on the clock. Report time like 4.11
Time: 2.40
